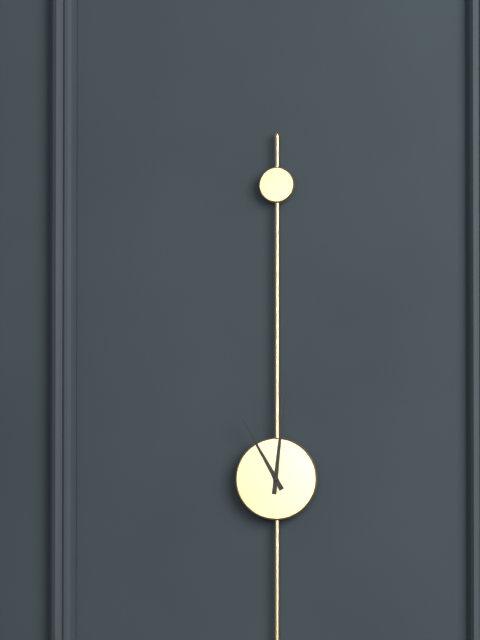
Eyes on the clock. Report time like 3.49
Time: 11.01
